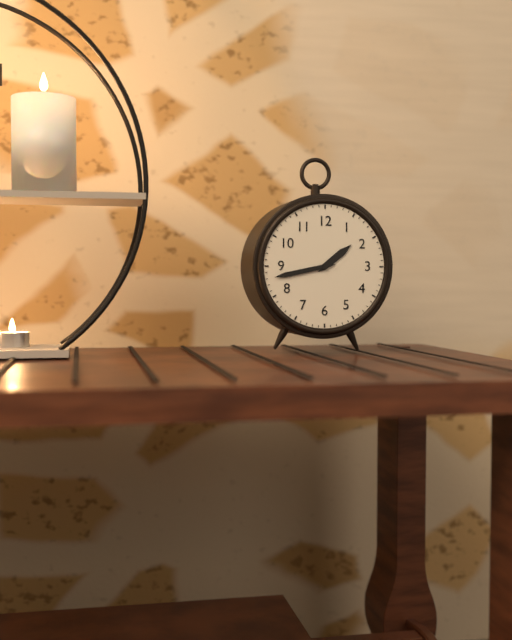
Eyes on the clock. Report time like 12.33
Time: 1.43
